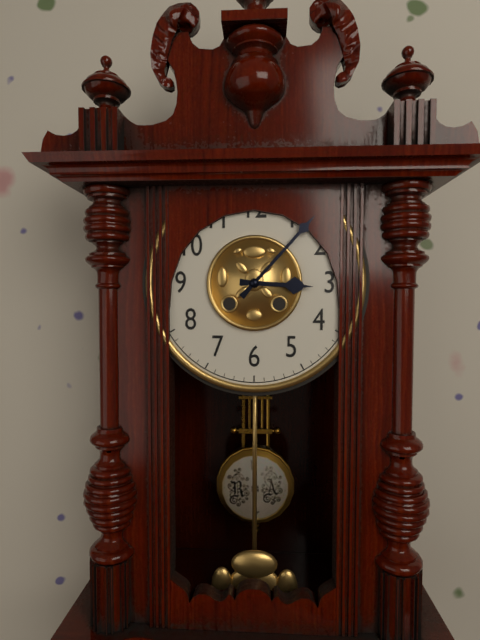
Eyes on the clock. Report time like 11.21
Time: 3.07
